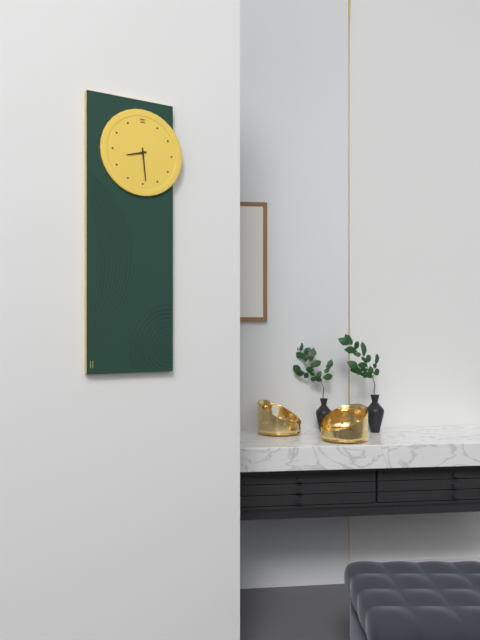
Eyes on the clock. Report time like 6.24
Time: 8.29
